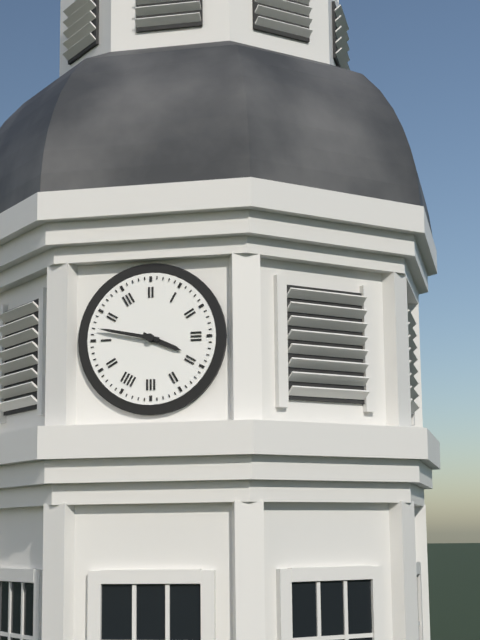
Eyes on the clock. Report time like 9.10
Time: 3.47
